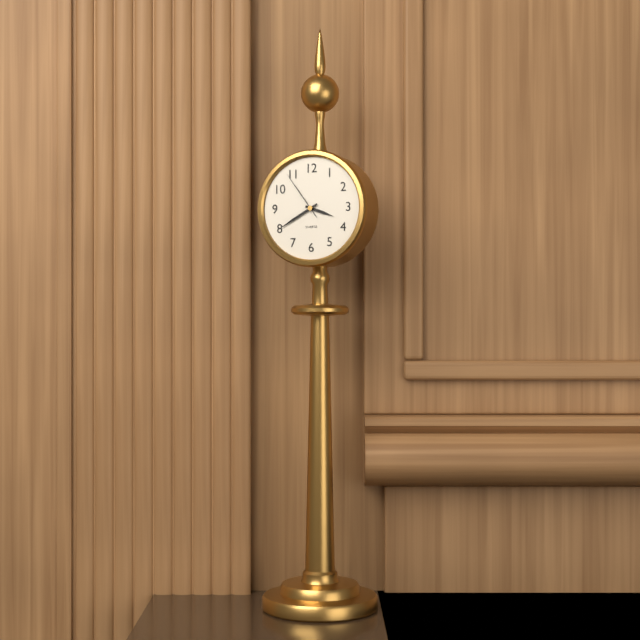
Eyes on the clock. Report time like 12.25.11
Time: 3.40.54
